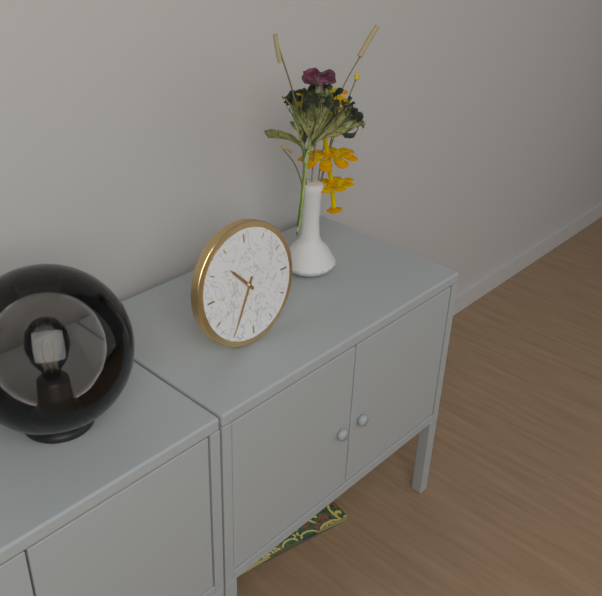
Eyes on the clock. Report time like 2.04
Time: 10.35
